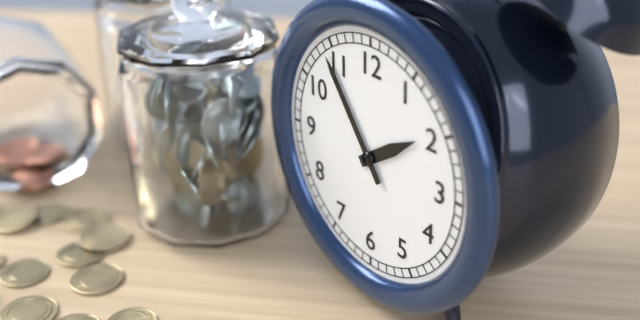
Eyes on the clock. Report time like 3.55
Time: 1.54
